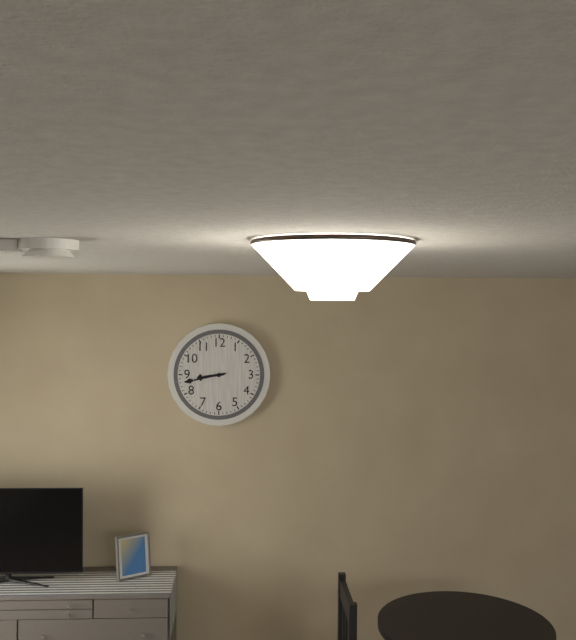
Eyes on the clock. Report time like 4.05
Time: 8.43
